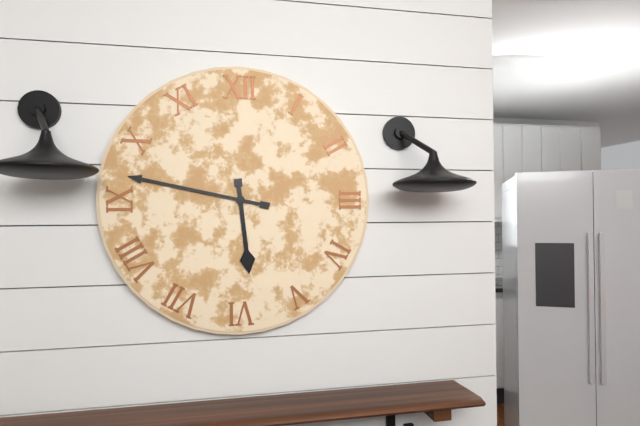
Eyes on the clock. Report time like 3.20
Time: 5.47
